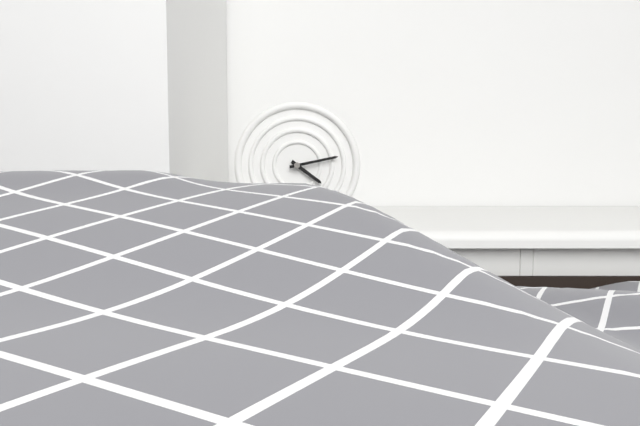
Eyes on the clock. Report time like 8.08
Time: 4.13
